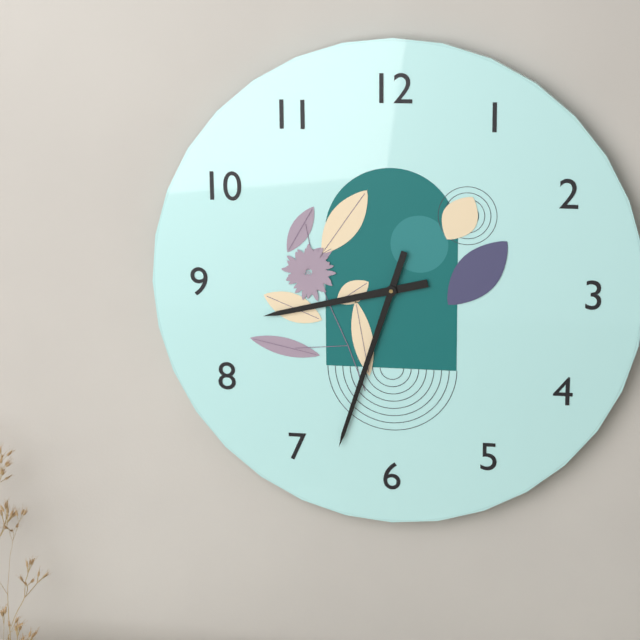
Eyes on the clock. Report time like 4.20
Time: 8.33
